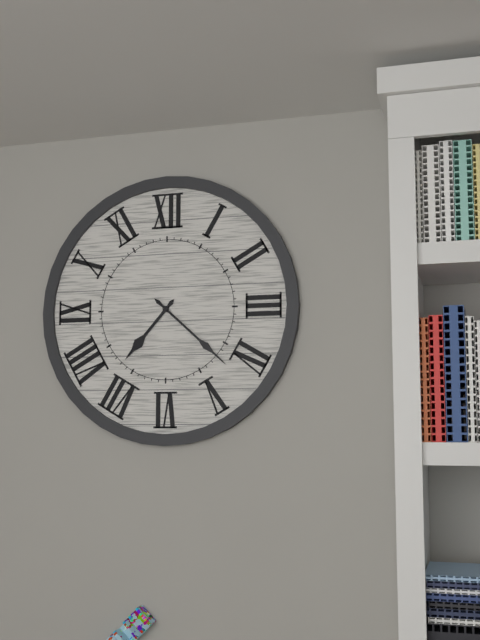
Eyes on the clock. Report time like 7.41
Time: 7.22
